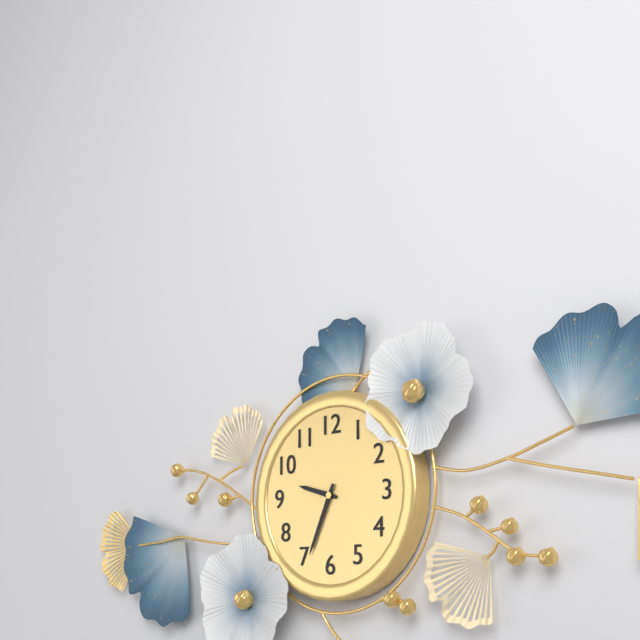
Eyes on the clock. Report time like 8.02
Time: 9.34
